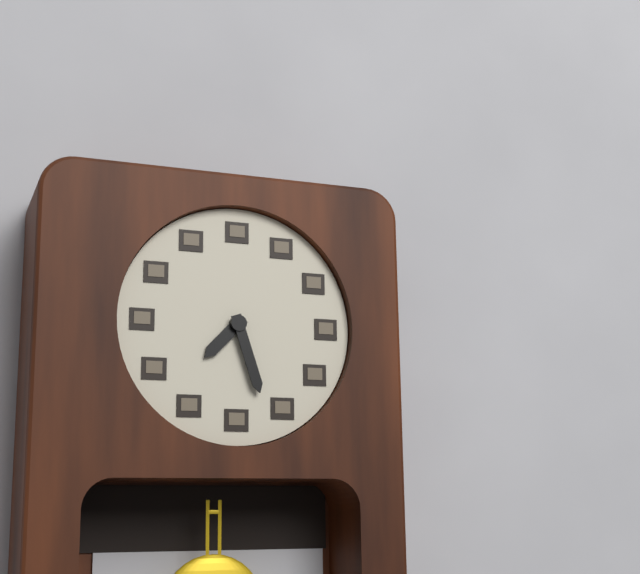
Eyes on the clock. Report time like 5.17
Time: 7.27
